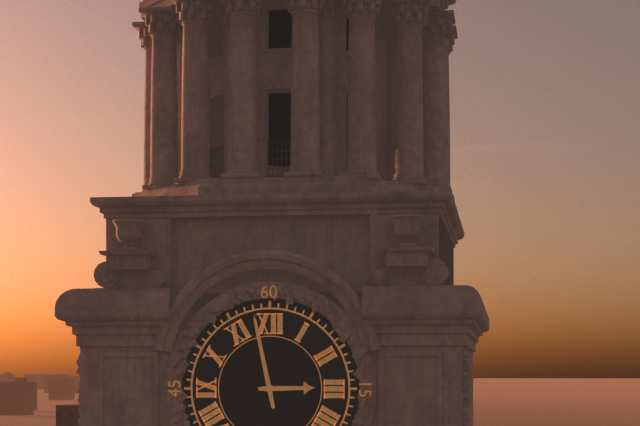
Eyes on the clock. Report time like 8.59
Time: 2.58
